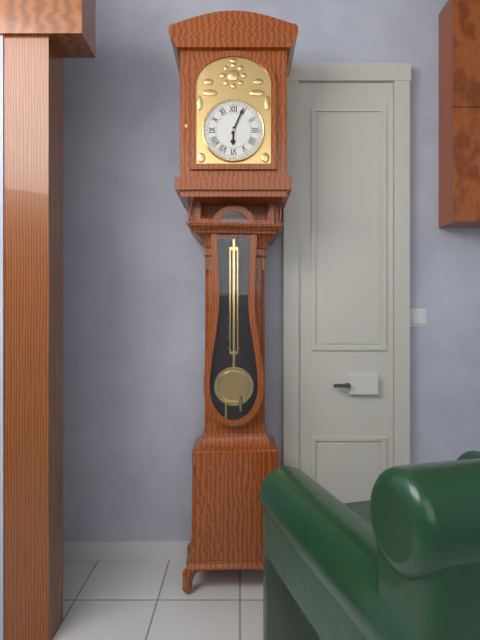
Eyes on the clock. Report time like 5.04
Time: 6.04
